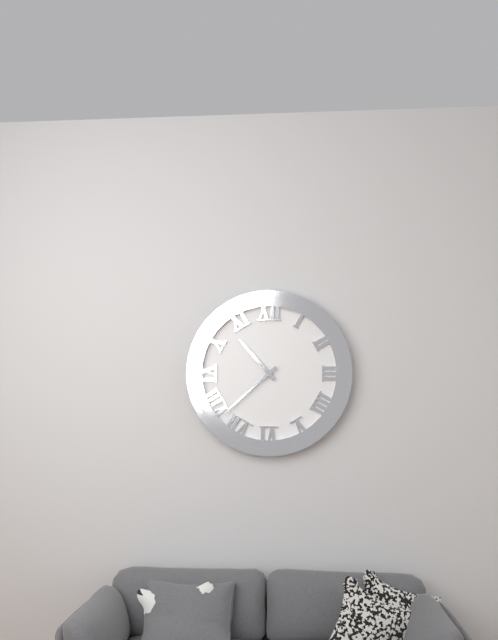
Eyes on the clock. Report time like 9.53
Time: 10.38
